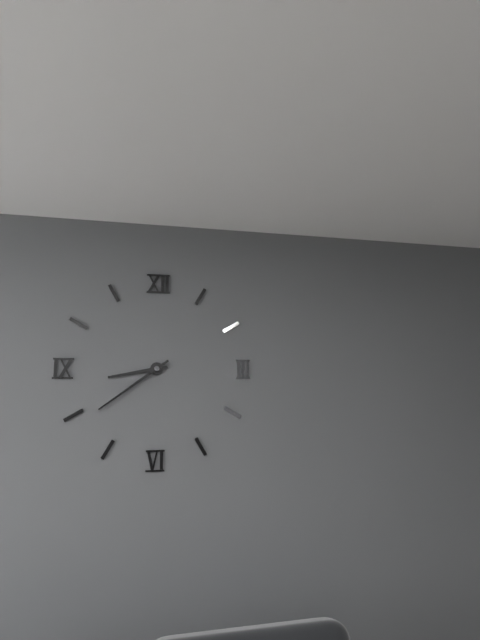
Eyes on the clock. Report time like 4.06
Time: 8.39
